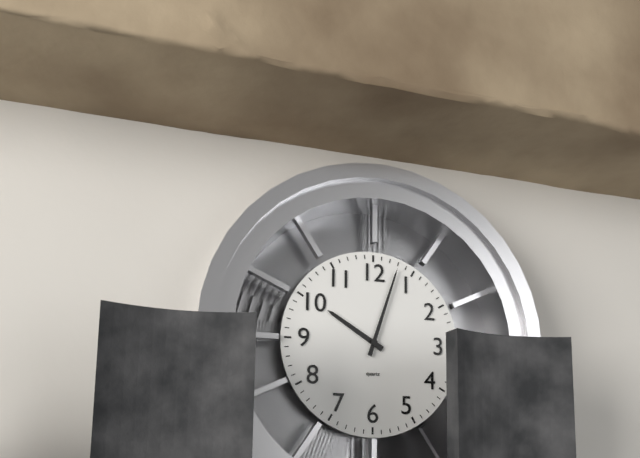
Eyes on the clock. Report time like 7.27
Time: 10.03
